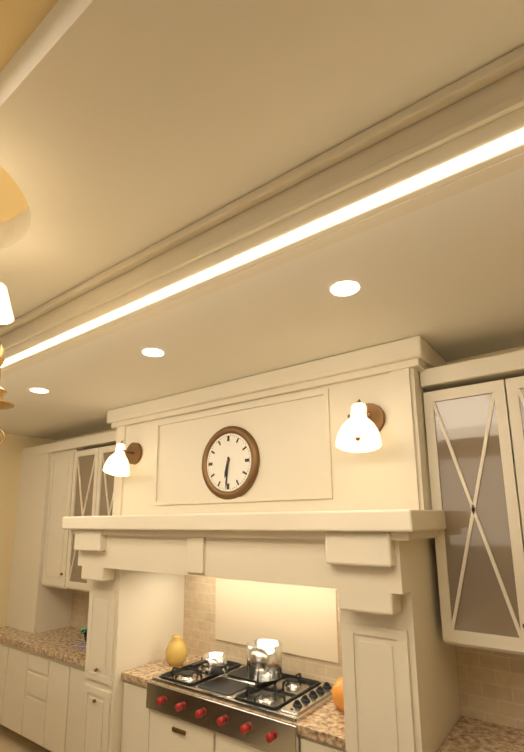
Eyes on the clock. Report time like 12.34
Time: 6.31
